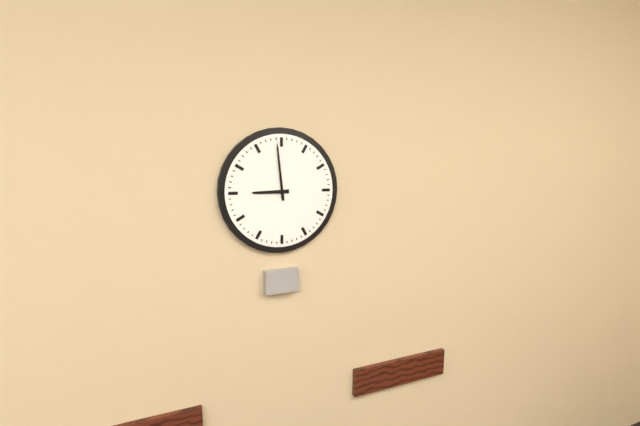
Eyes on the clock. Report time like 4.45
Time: 8.59
